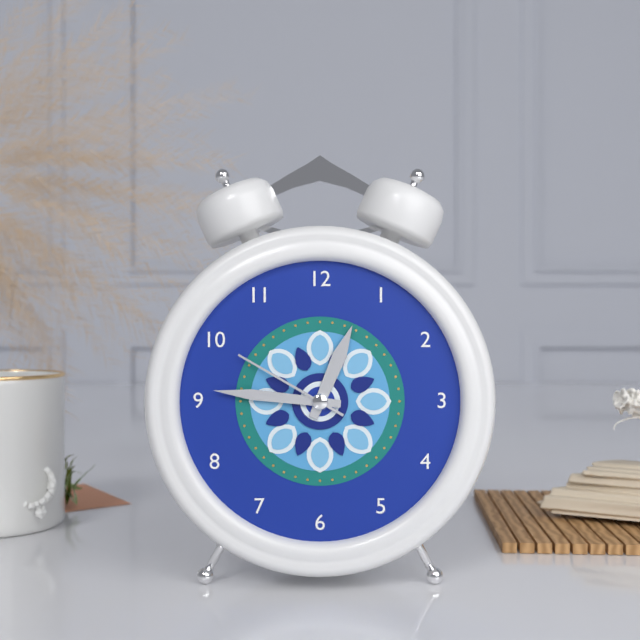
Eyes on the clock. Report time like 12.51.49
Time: 12.46.50
